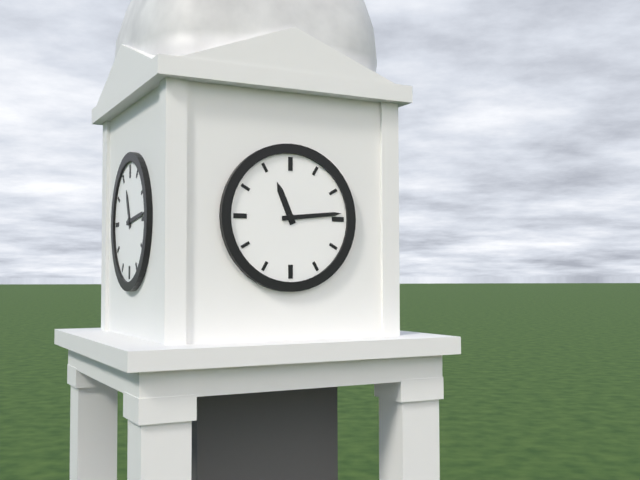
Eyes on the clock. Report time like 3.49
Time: 11.14
